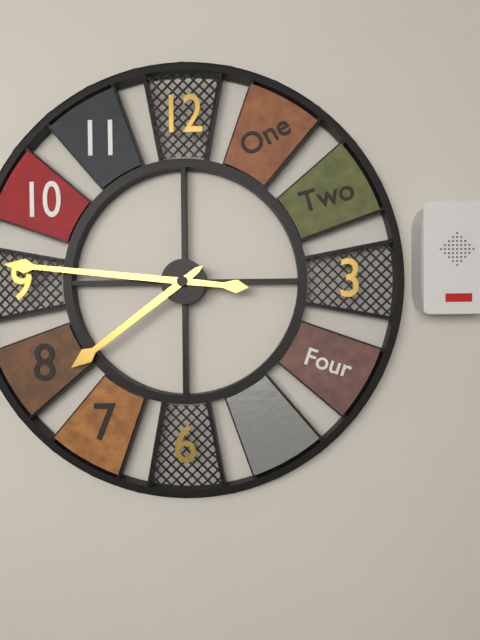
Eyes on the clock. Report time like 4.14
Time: 7.46
